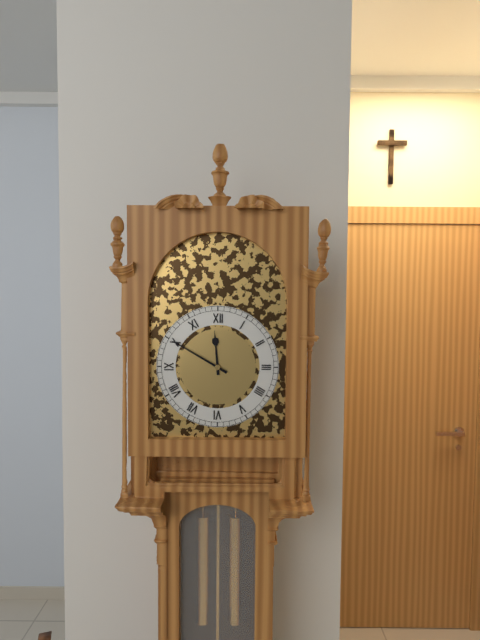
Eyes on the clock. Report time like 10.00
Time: 11.50
